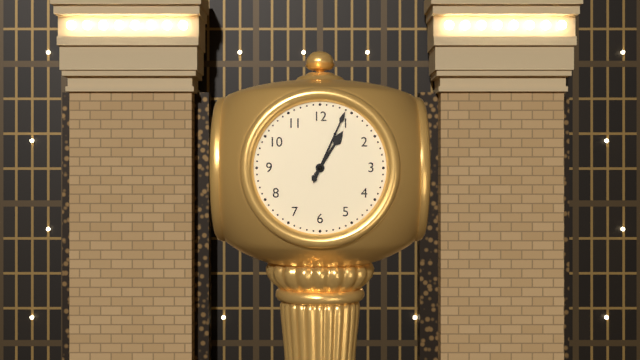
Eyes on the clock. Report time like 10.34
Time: 1.04
